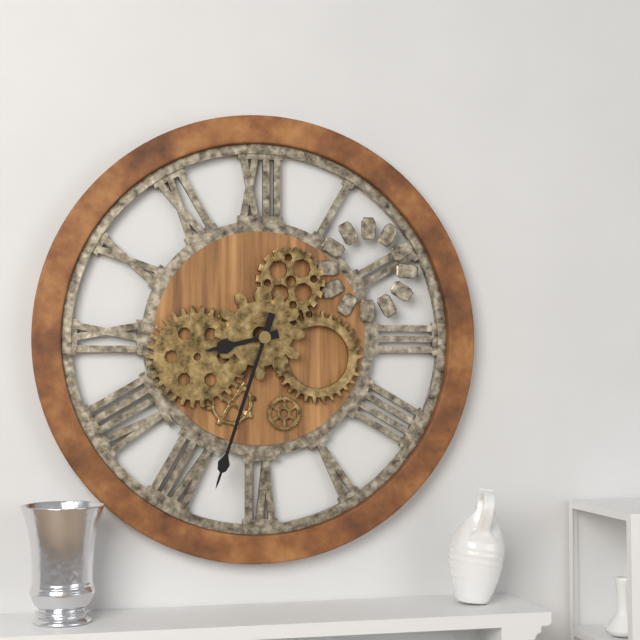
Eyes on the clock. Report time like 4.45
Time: 8.33
